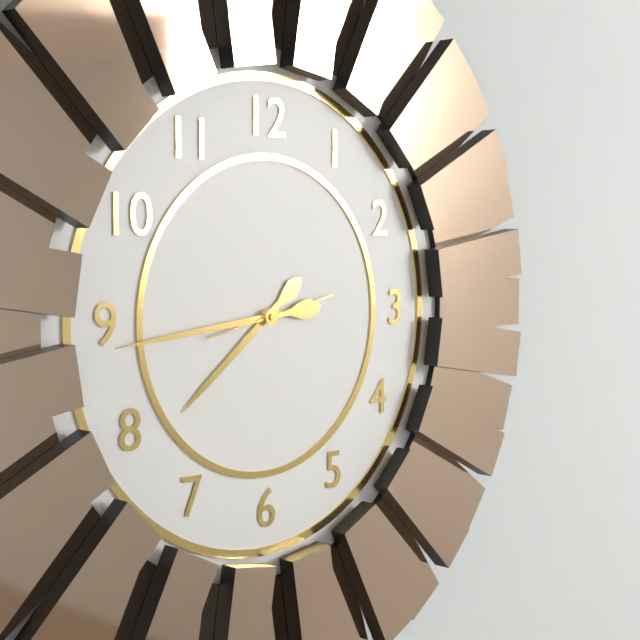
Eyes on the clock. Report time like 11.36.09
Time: 7.44.13
